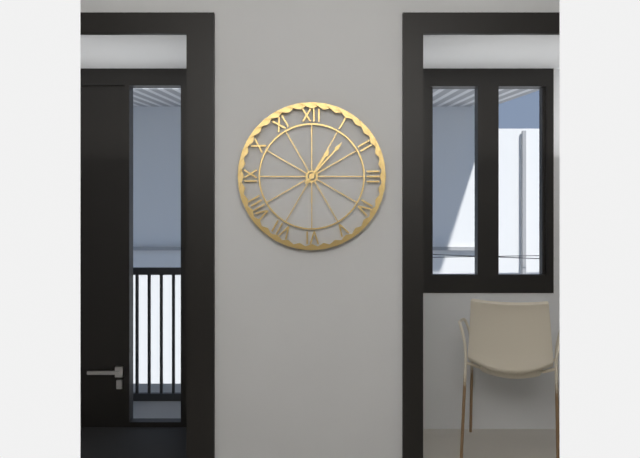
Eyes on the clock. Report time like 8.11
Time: 1.07
